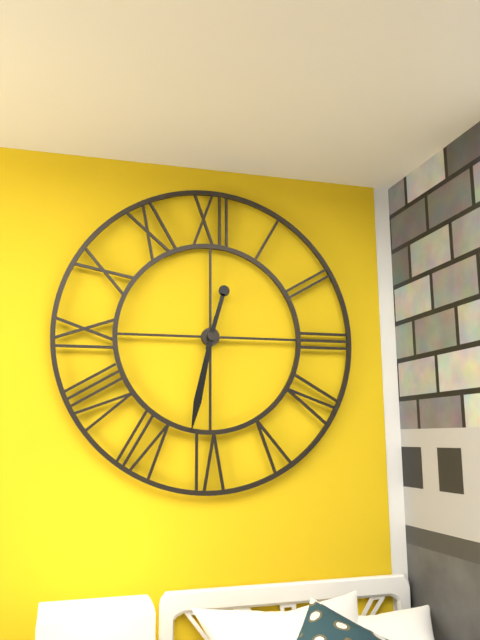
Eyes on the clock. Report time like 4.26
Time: 12.32
